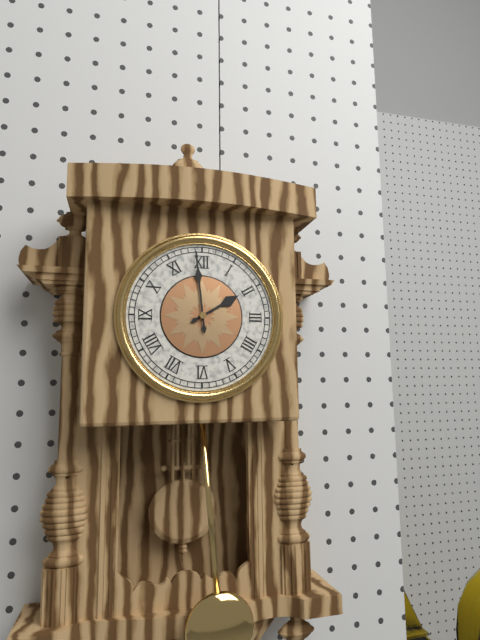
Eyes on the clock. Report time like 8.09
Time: 1.59
